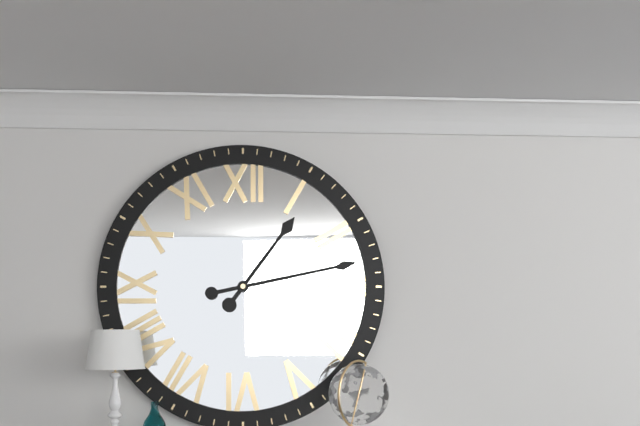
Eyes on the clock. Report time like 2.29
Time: 1.13
